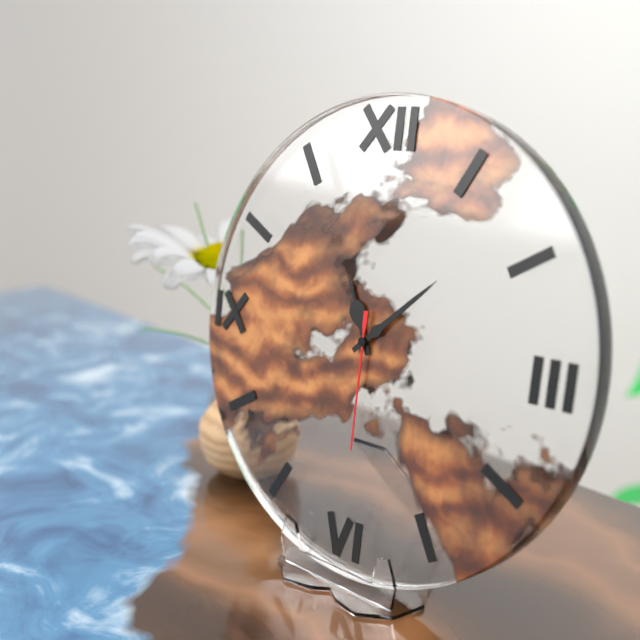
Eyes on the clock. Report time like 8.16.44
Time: 11.08.30
